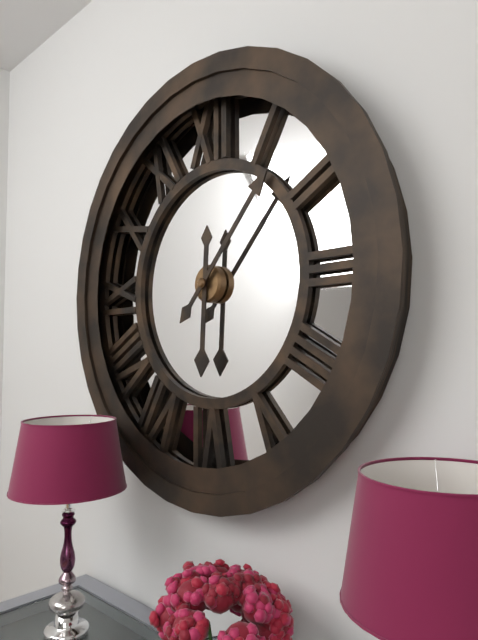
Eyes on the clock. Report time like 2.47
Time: 6.07
